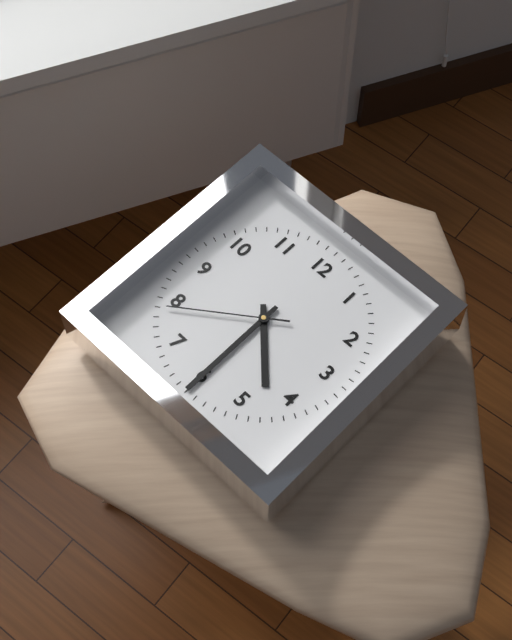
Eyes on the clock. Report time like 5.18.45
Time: 4.30.39
